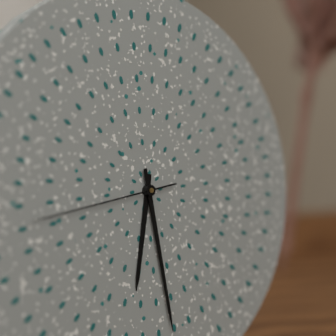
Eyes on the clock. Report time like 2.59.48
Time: 6.29.44
